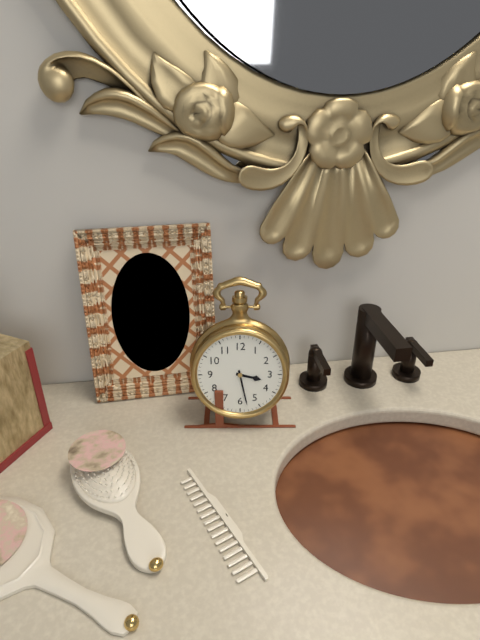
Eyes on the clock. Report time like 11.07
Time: 3.28
